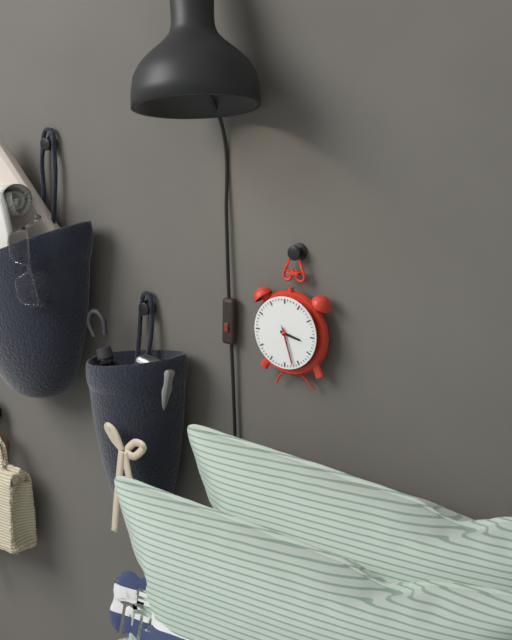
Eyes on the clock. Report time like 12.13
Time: 3.27
